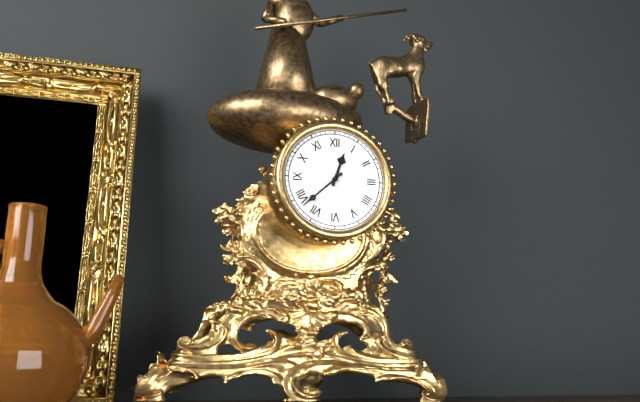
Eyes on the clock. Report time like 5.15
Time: 12.38
